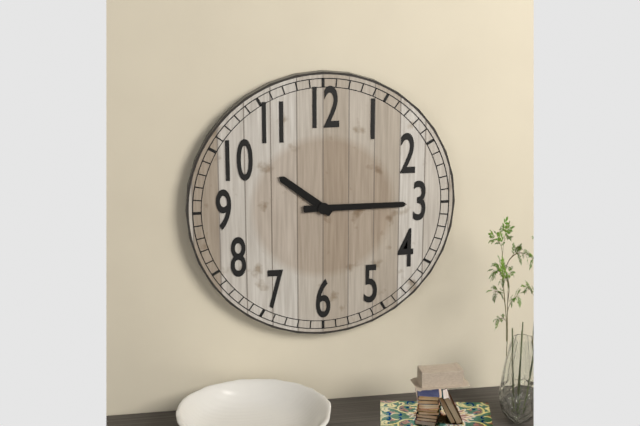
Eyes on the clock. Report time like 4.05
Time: 10.15
